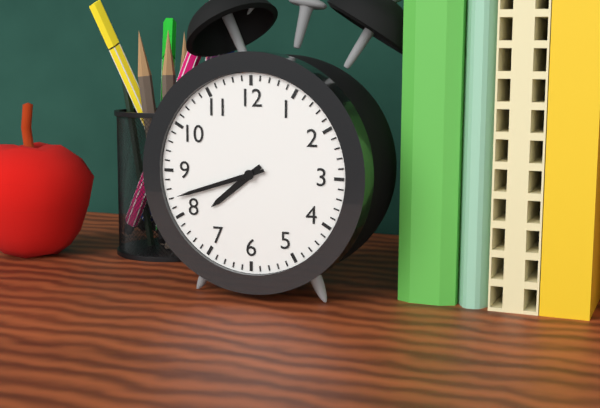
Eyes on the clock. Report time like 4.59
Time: 7.42
